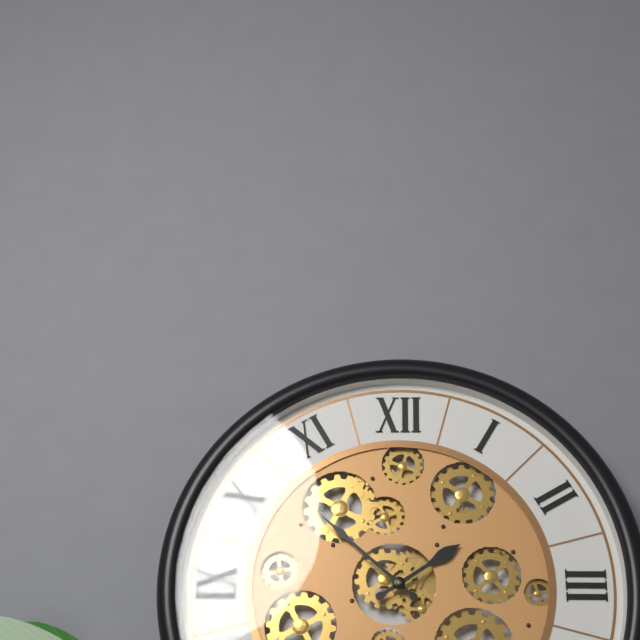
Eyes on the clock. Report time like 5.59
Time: 1.52
